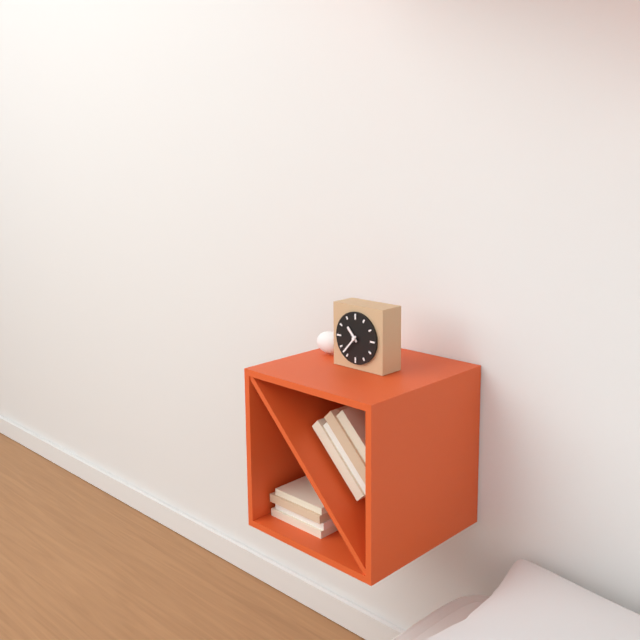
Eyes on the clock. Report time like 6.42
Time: 10.37
